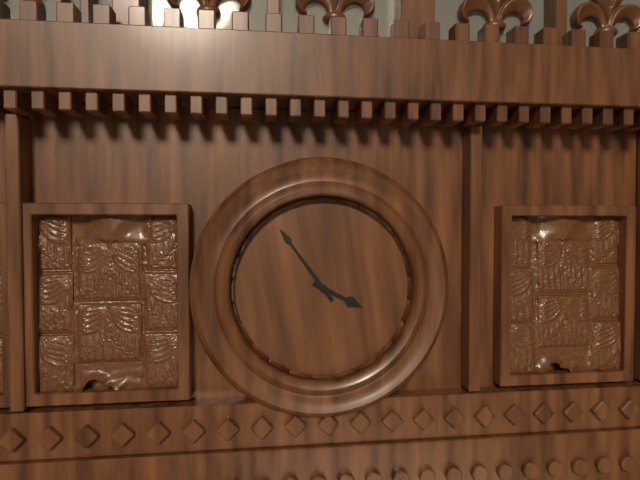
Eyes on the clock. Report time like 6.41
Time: 3.54
